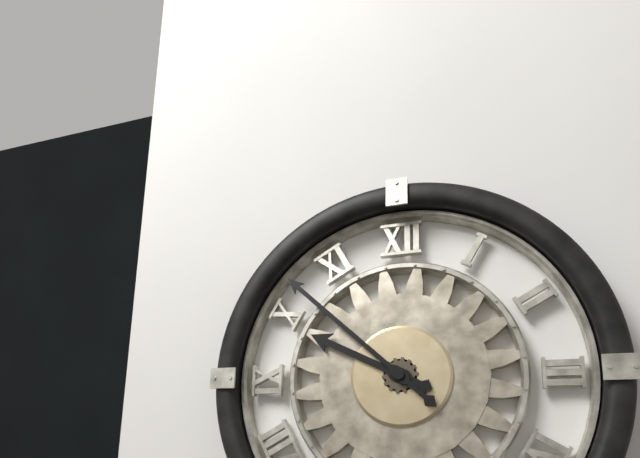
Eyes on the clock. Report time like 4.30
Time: 9.52
